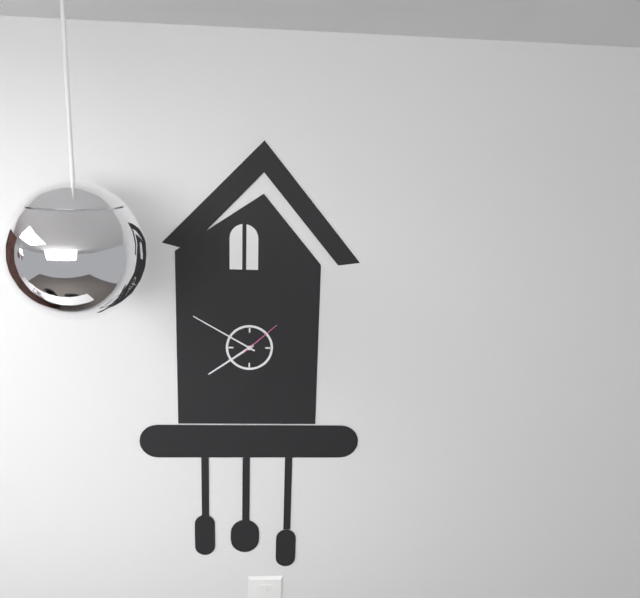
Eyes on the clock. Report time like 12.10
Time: 7.50
